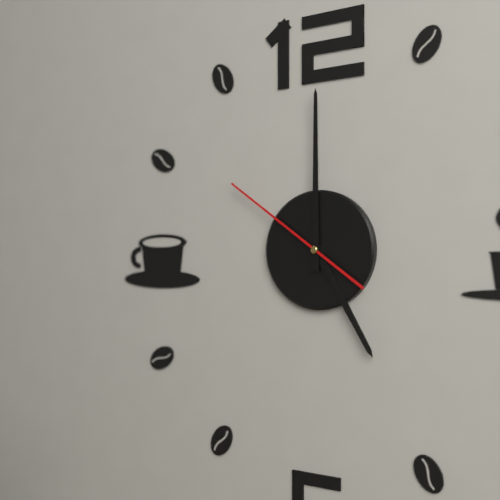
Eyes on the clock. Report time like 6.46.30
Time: 5.00.51
